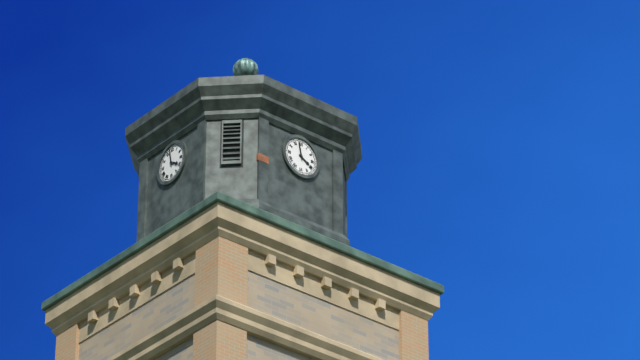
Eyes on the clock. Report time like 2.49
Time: 3.58
